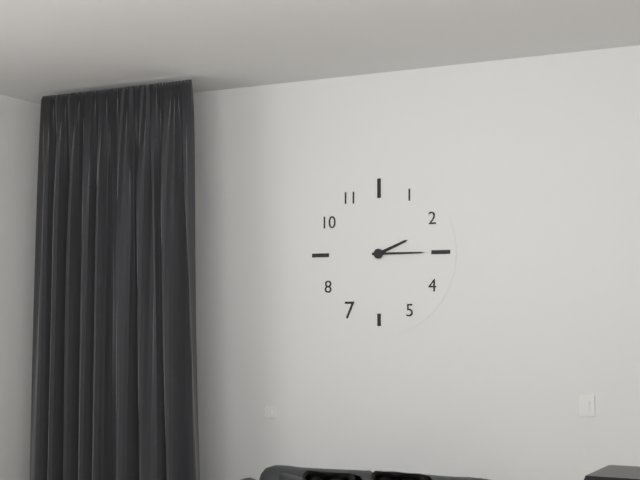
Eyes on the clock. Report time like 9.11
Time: 2.15
